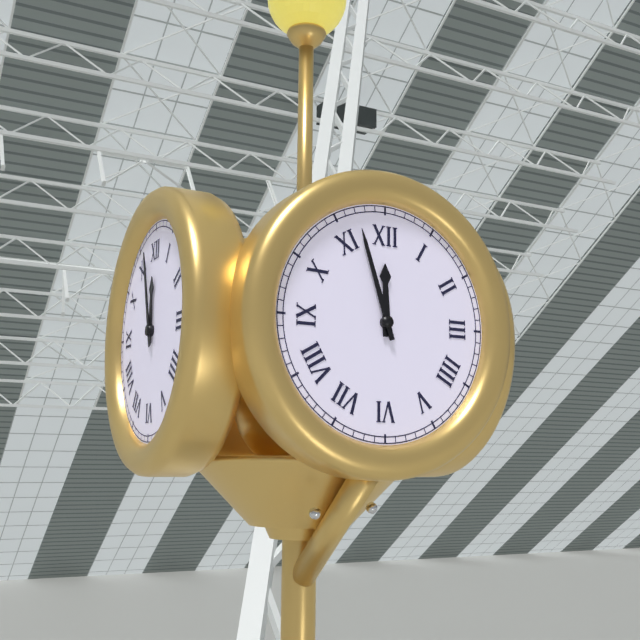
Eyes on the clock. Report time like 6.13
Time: 11.57
